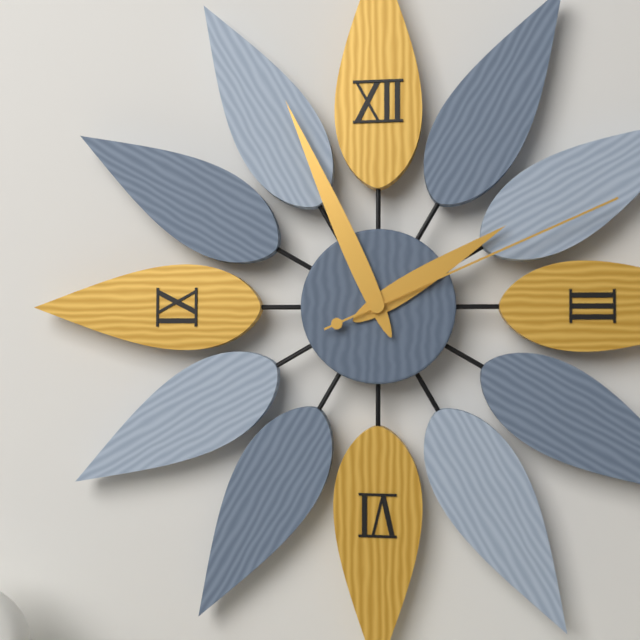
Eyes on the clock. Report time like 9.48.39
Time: 1.56.11
